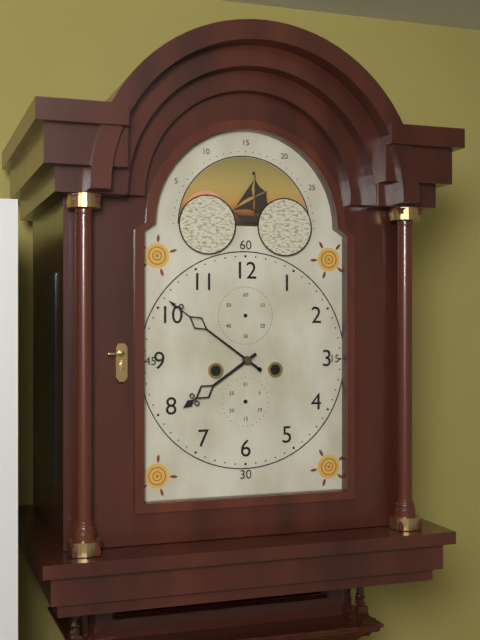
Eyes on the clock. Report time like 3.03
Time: 7.51
